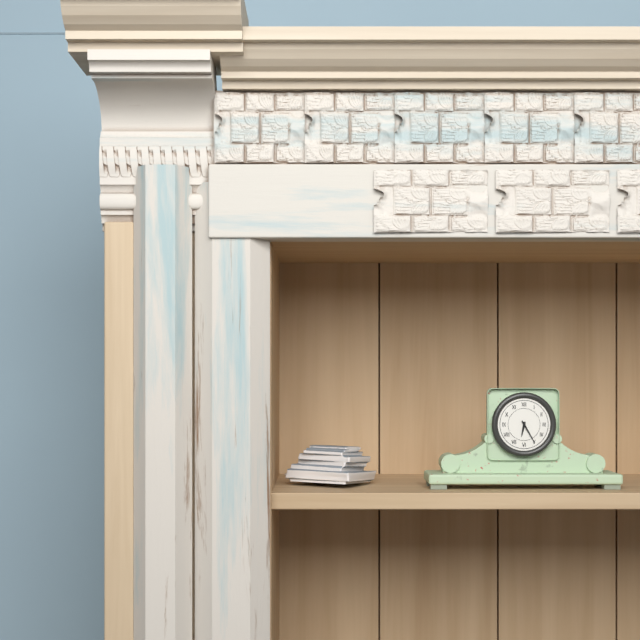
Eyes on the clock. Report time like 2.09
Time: 6.25
